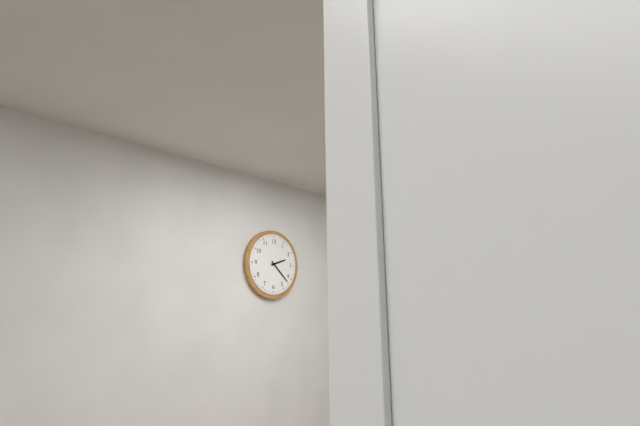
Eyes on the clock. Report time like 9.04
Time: 2.22
